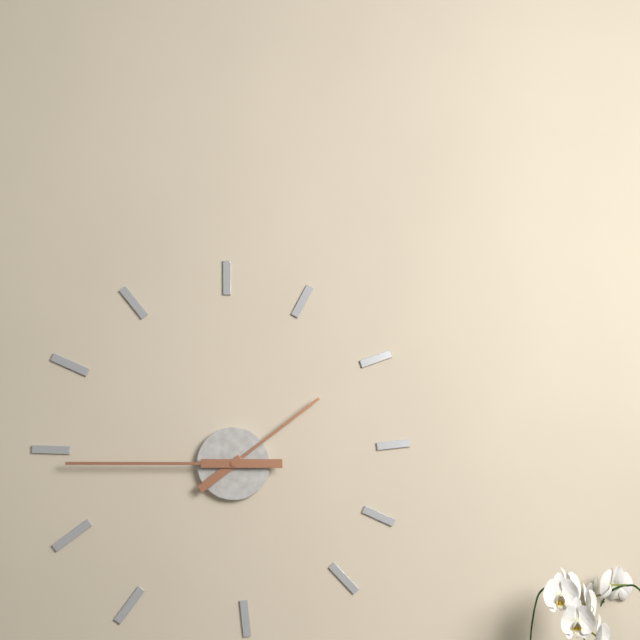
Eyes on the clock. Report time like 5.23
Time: 1.45
